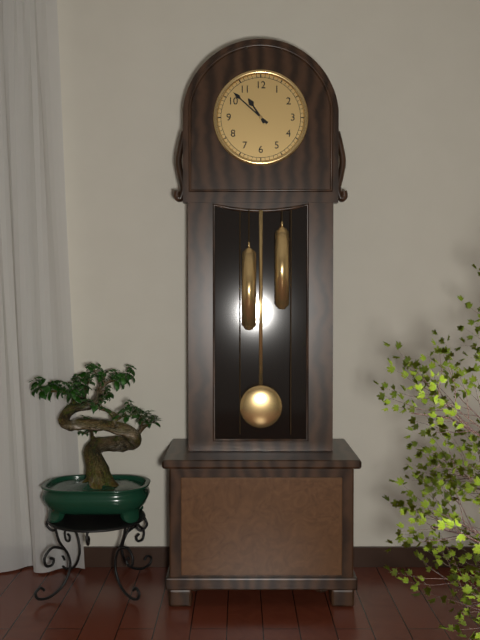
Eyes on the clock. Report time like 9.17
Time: 10.52
